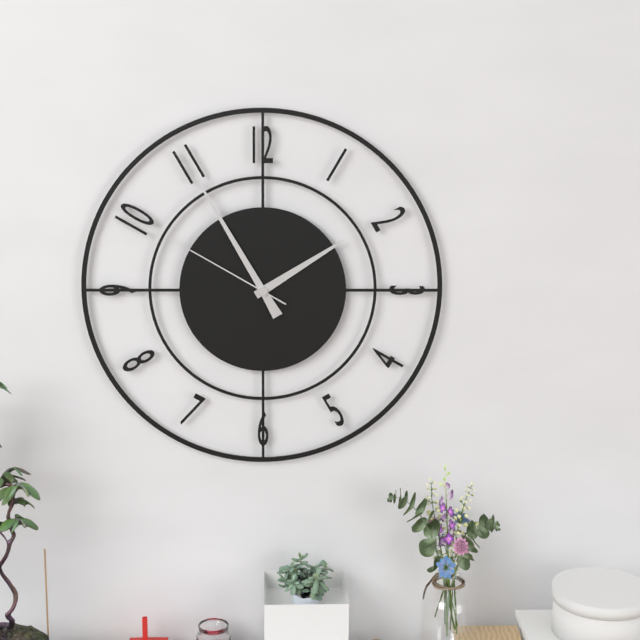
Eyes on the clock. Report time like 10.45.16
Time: 1.55.50
